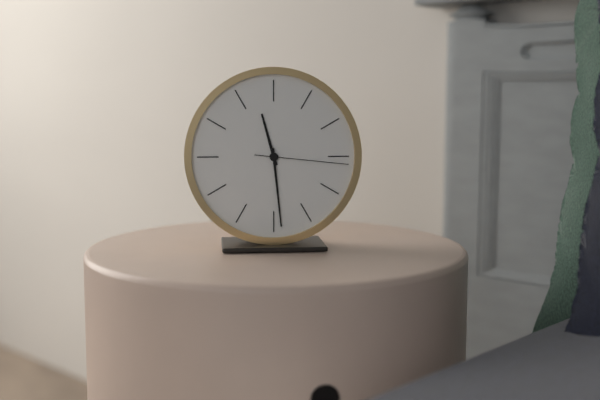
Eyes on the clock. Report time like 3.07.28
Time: 11.29.16
